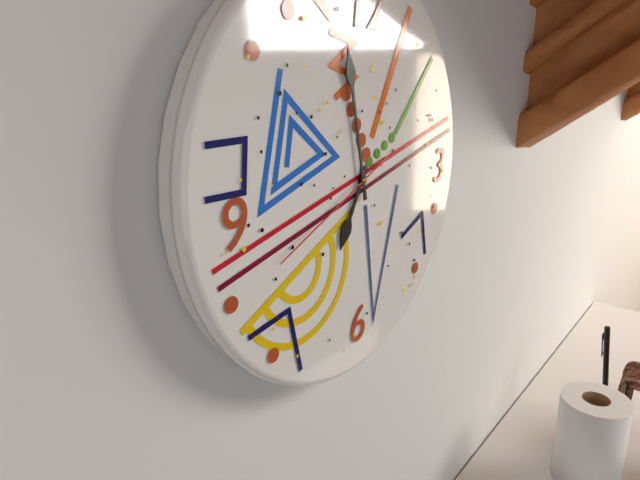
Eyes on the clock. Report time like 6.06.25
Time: 6.58.41
